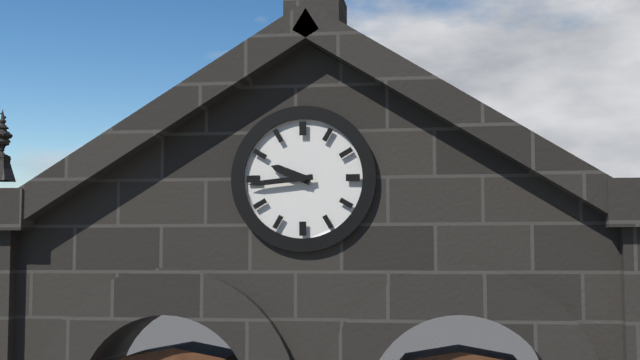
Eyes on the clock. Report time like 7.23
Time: 9.44
